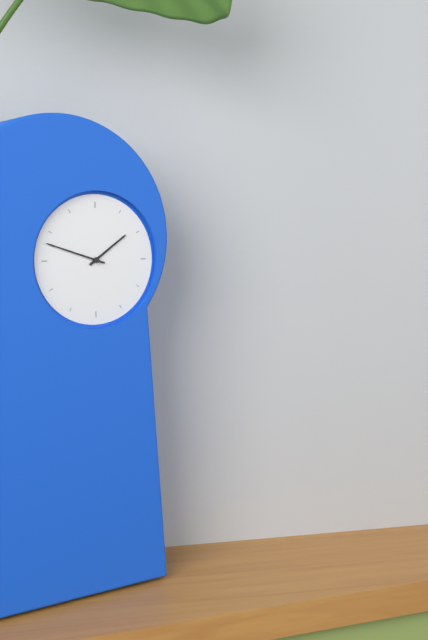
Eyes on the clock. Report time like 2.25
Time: 1.48
